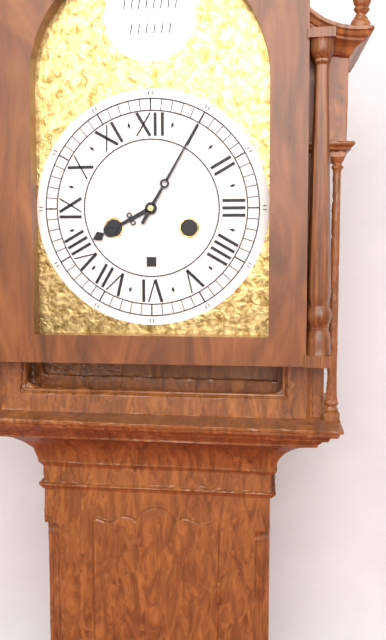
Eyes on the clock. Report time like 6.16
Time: 8.05
